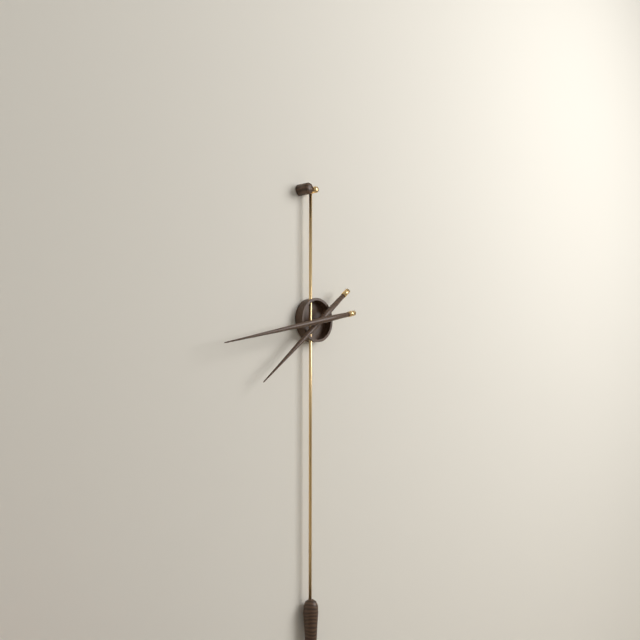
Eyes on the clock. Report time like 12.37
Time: 7.43
